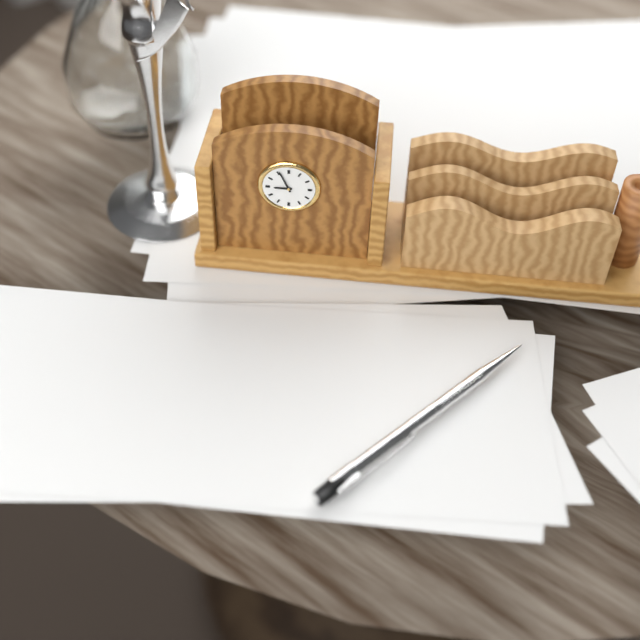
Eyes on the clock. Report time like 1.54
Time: 8.56
